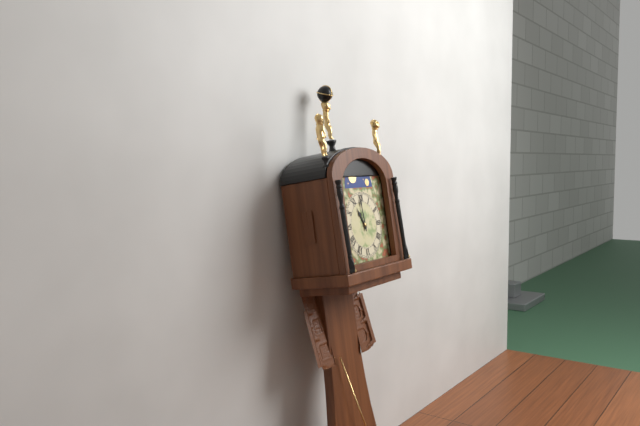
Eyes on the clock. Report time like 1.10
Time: 10.59
